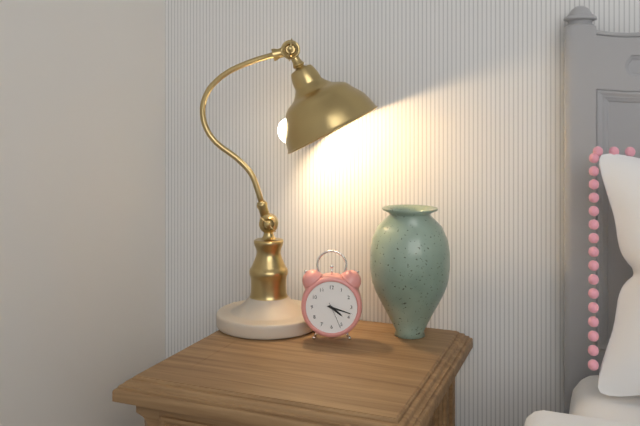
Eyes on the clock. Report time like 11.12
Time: 4.18
